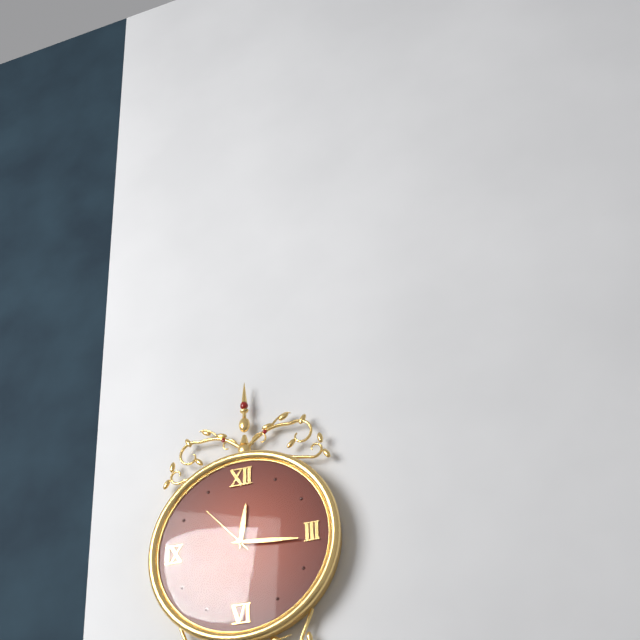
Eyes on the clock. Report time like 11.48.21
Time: 12.16.53
